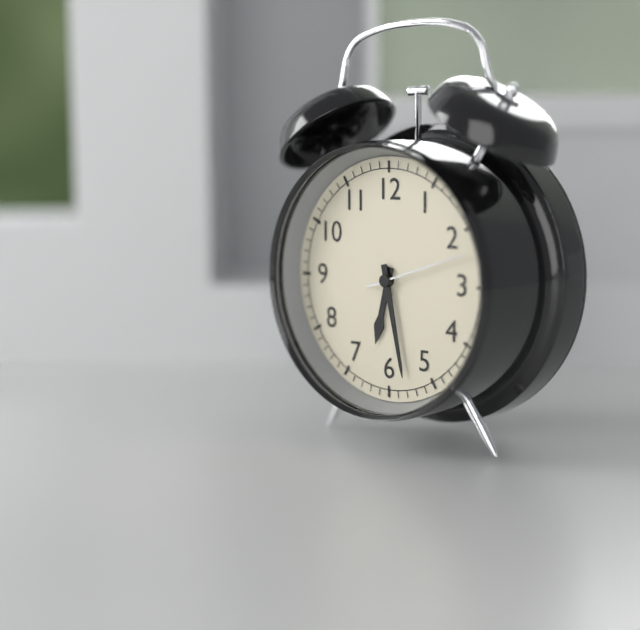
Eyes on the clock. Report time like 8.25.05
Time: 6.28.12
